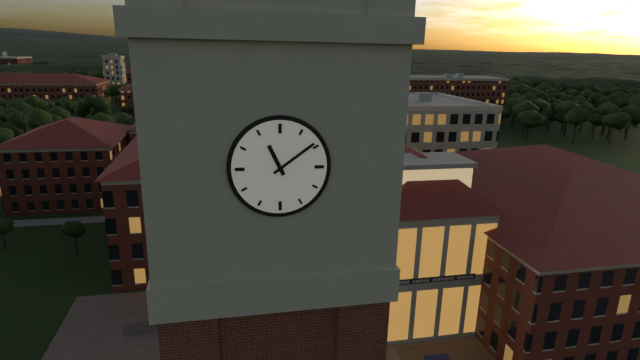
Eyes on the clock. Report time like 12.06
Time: 11.09
